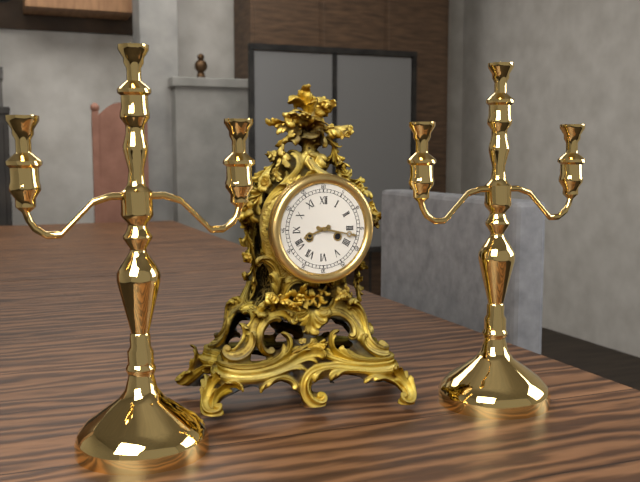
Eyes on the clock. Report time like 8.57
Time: 8.17
